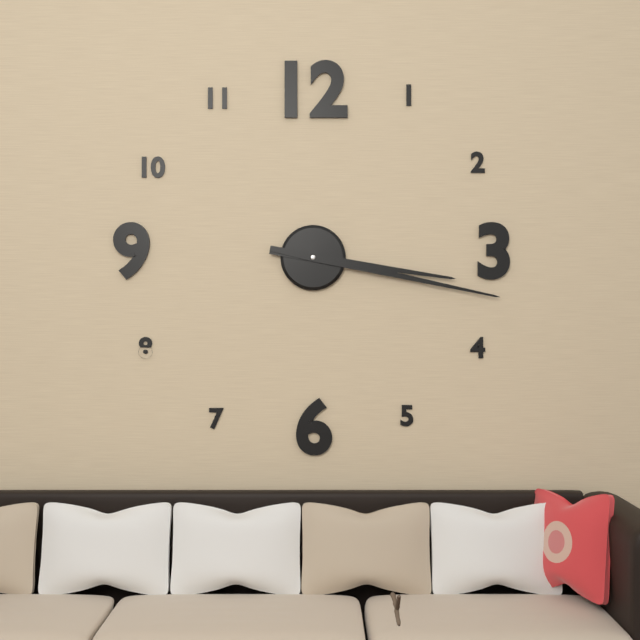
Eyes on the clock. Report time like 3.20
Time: 3.17
